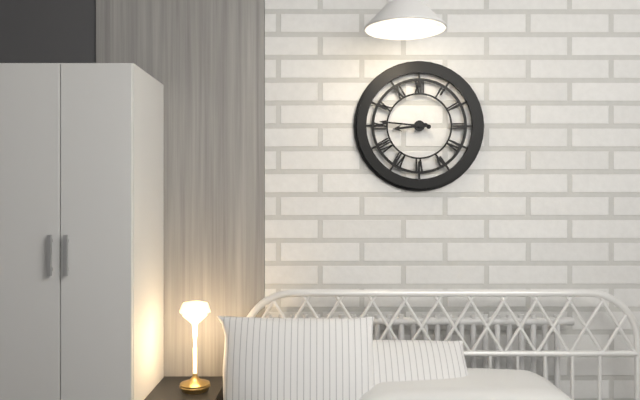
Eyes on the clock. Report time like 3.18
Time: 8.46
